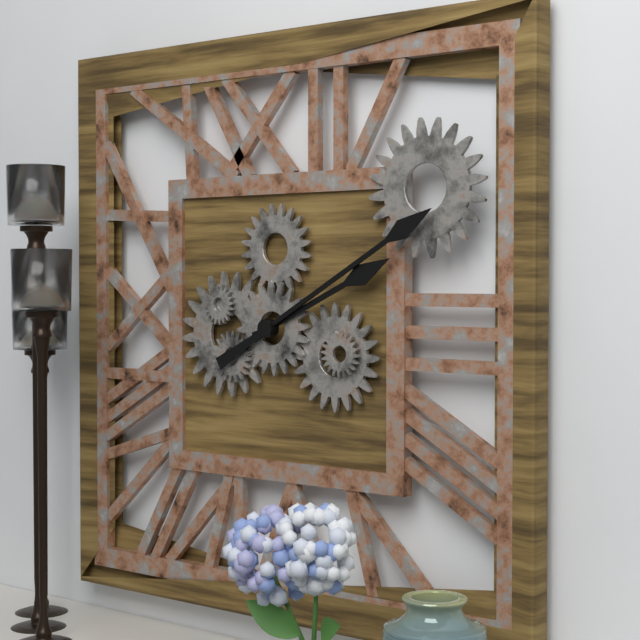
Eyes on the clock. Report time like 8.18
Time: 2.10
